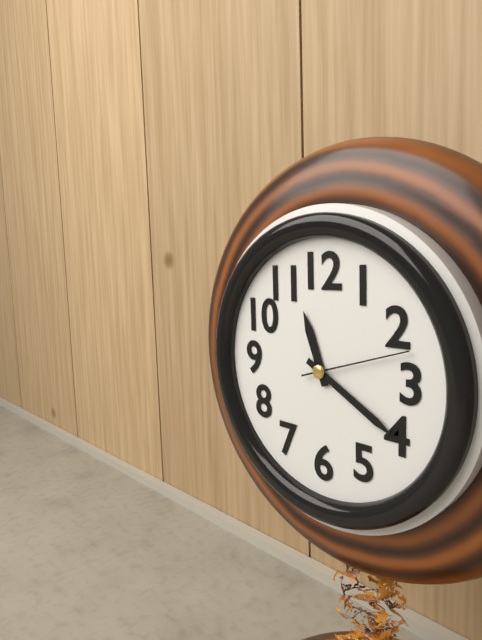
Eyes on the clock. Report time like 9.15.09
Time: 11.20.12
